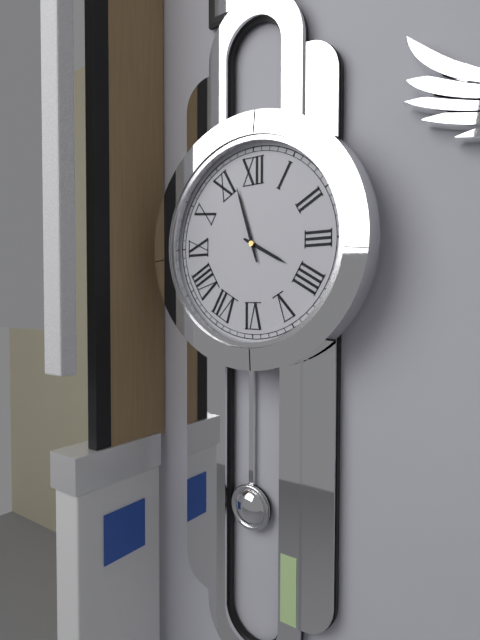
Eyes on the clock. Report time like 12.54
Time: 3.57
